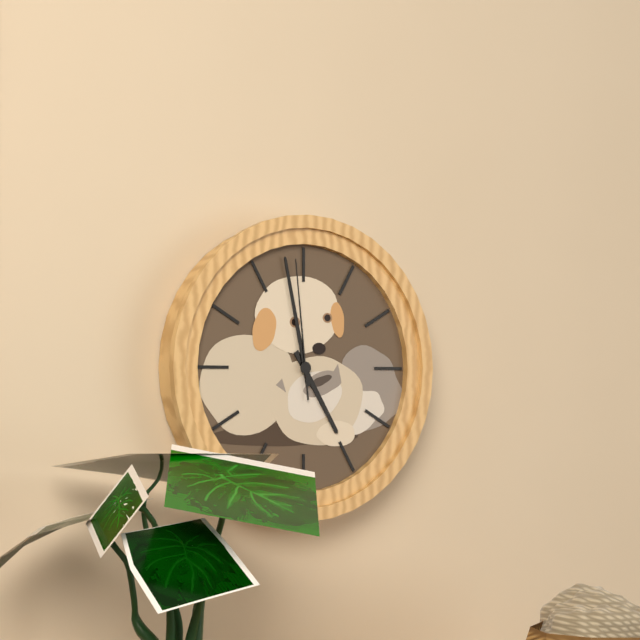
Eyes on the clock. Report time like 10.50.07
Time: 4.58.59
